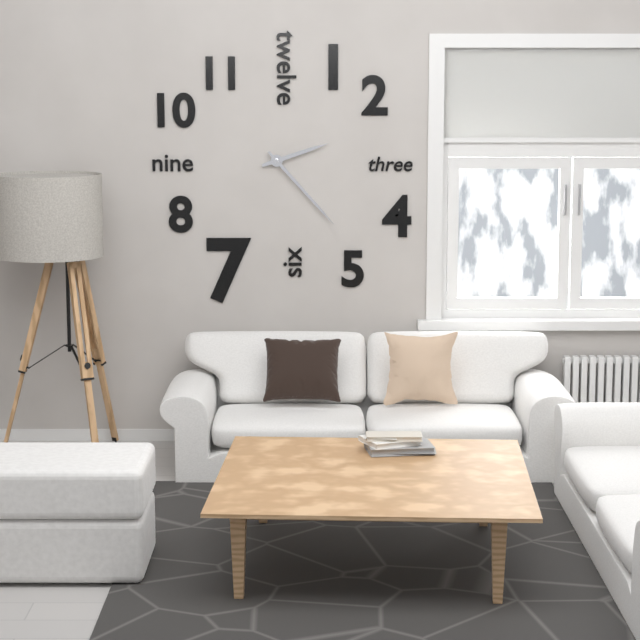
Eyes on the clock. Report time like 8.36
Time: 2.23
